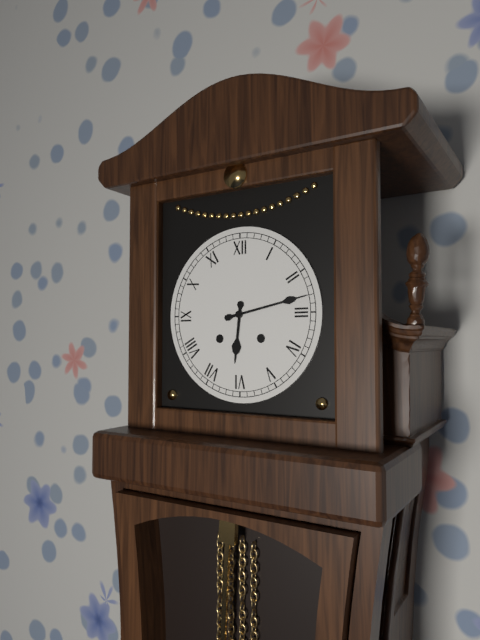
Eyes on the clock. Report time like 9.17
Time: 6.13
